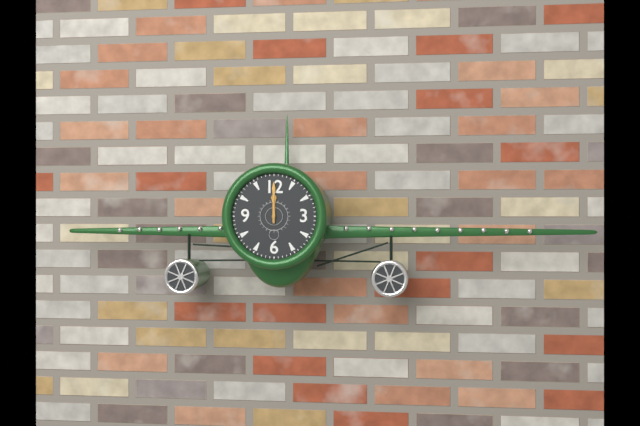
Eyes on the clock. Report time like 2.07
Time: 12.00
